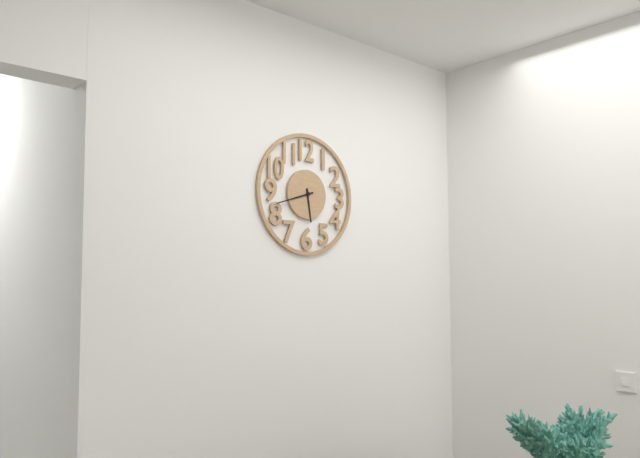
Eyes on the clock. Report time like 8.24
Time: 5.42
